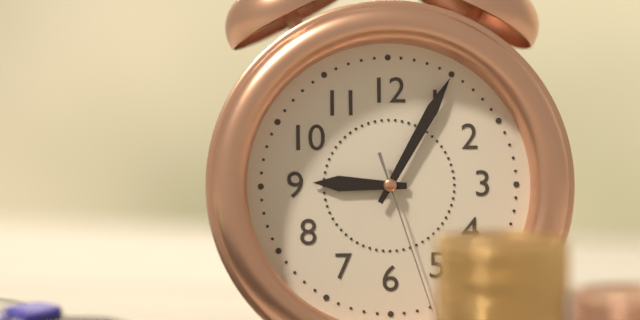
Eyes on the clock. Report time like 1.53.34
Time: 9.05.27
